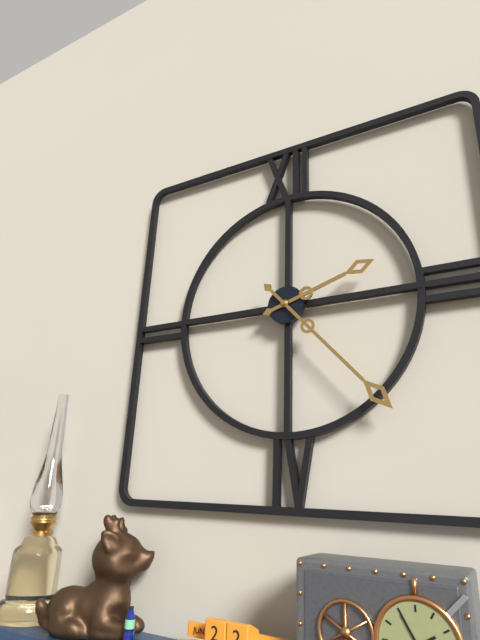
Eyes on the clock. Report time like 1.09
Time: 2.23
